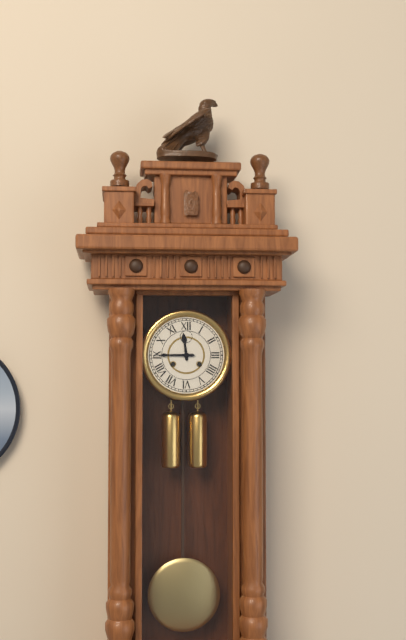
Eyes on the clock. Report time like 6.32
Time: 11.45
